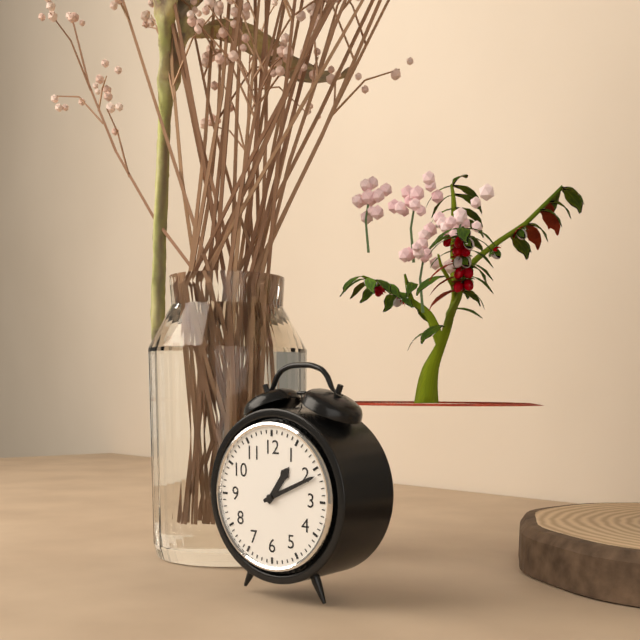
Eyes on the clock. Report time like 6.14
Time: 1.11
